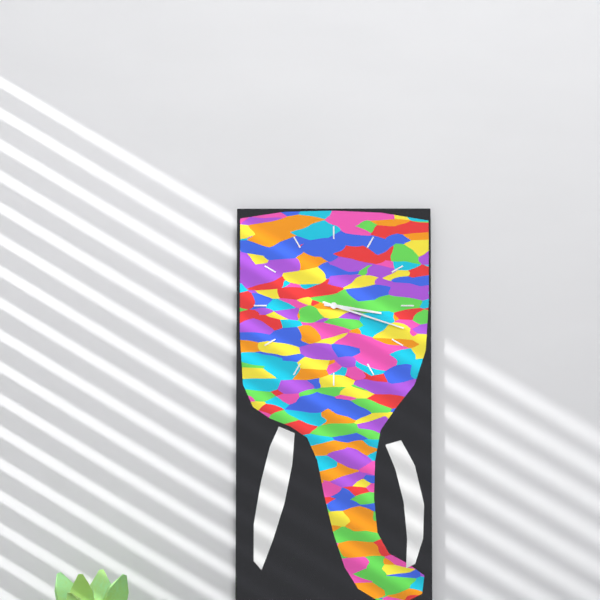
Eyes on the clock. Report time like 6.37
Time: 3.18
